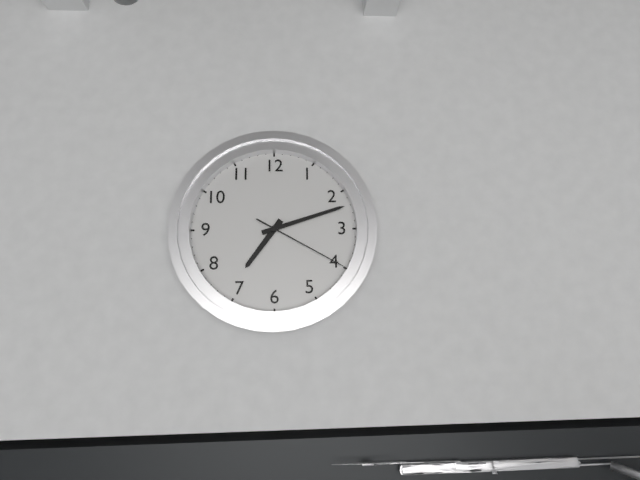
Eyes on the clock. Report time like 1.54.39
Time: 7.12.20
